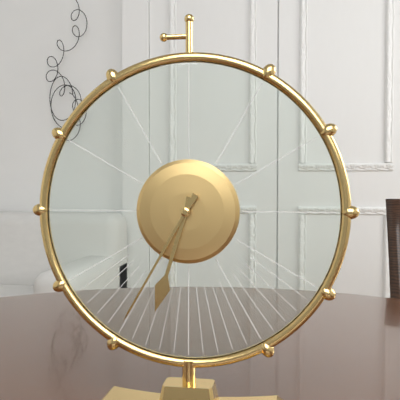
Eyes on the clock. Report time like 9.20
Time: 6.35
